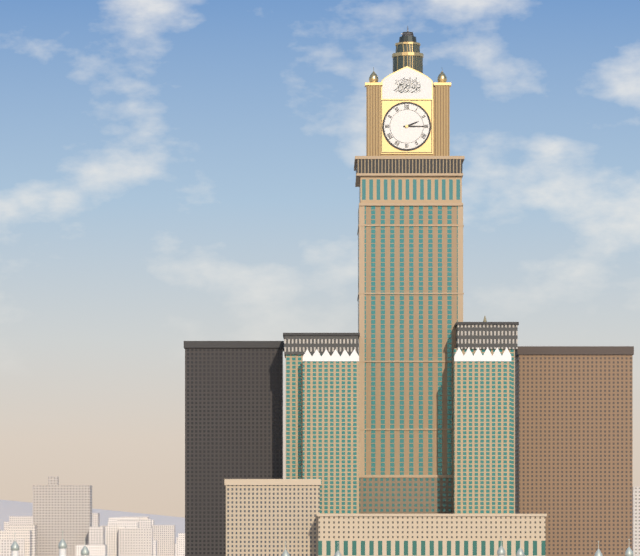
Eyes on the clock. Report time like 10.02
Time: 2.15
